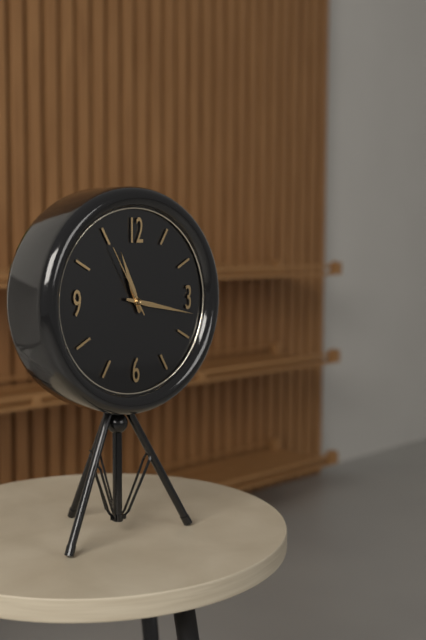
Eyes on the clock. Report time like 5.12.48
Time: 11.17.55
